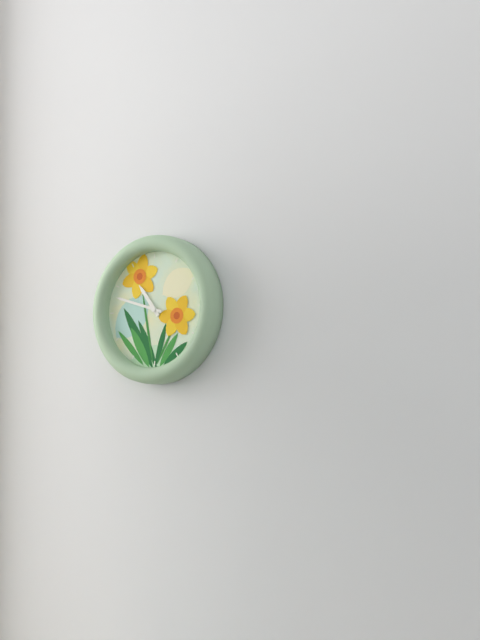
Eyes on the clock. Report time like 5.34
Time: 10.48
